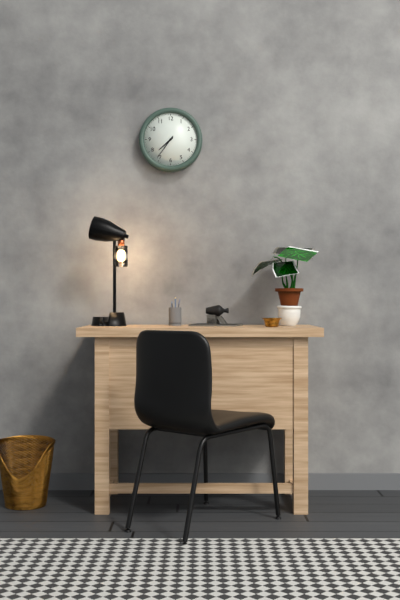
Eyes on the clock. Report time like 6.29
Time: 7.36
